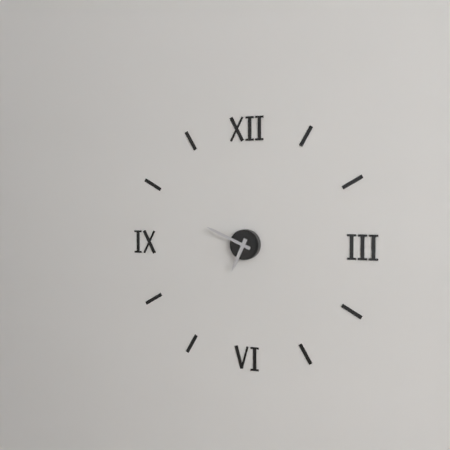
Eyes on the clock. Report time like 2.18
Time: 6.49
